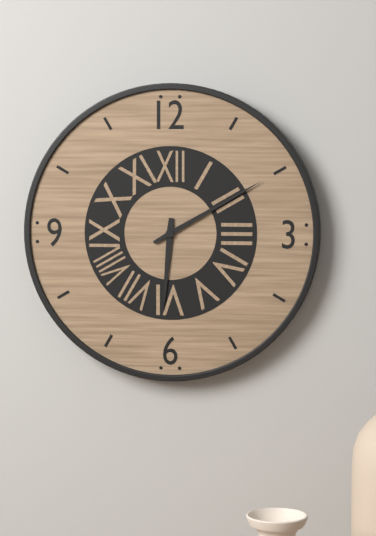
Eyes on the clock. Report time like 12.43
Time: 6.10
